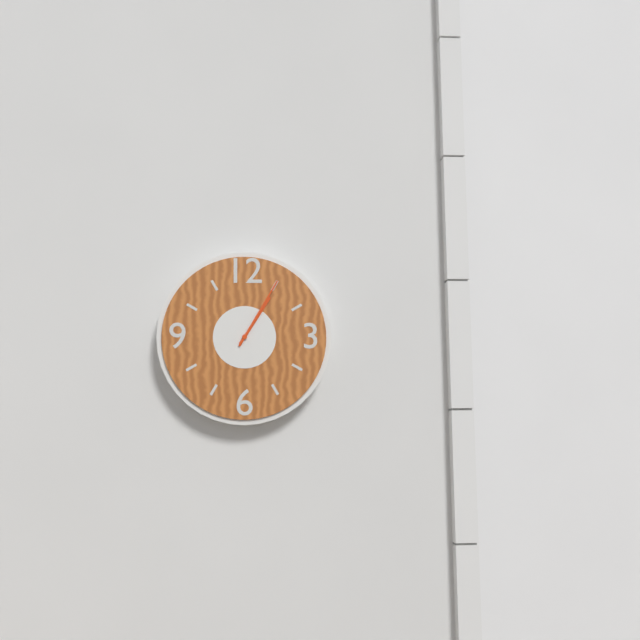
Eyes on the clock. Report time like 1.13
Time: 1.05
